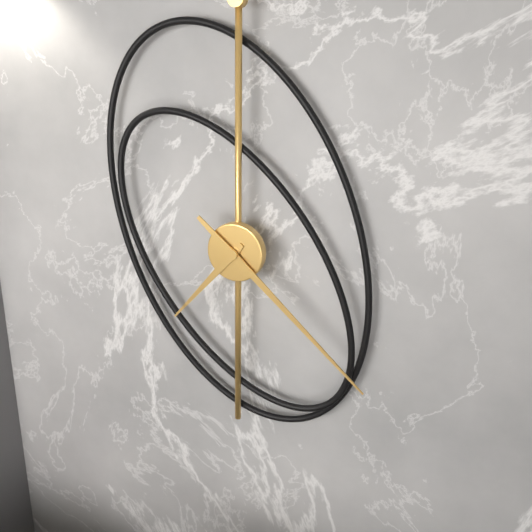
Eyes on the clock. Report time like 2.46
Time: 7.22
